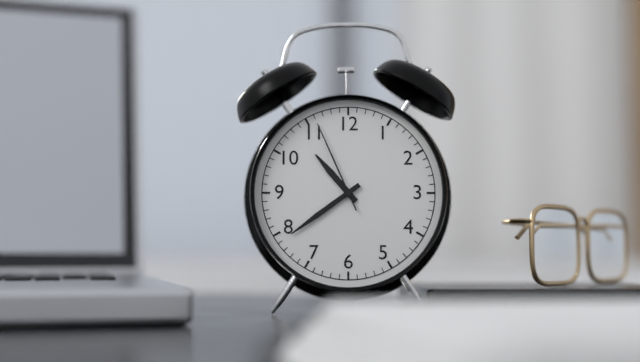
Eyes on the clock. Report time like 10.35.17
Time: 10.39.56
